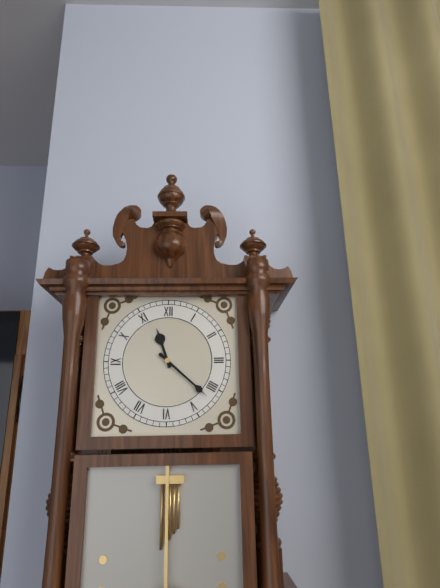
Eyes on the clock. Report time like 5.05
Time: 11.22
